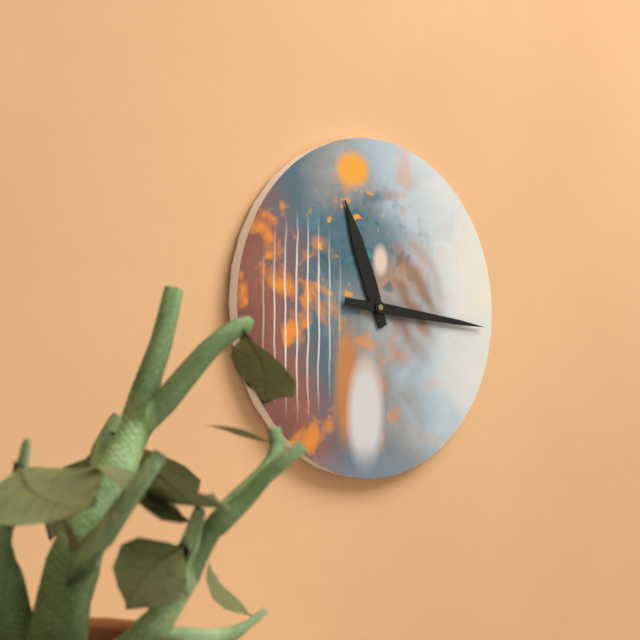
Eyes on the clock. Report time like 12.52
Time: 11.16
